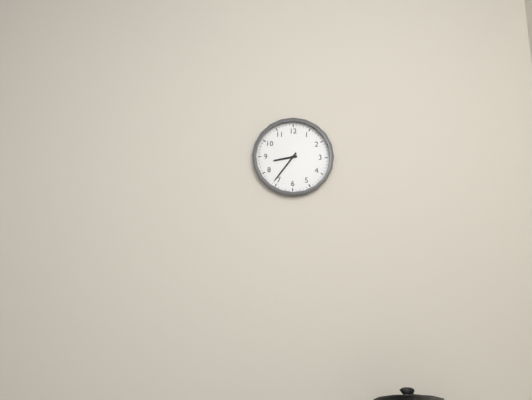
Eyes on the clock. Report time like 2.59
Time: 8.36
